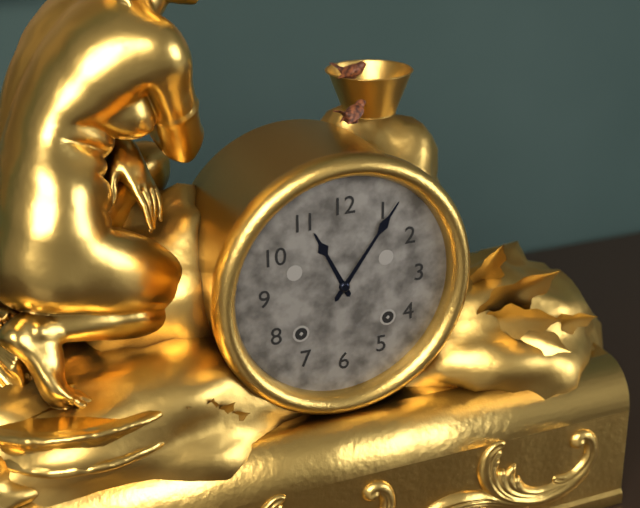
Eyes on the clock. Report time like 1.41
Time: 11.06
